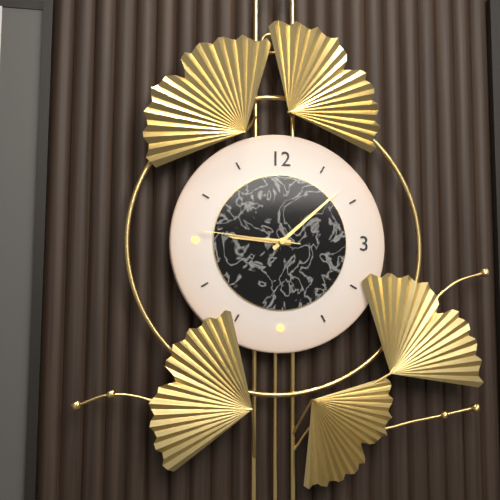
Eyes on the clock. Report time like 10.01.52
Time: 9.08.46
